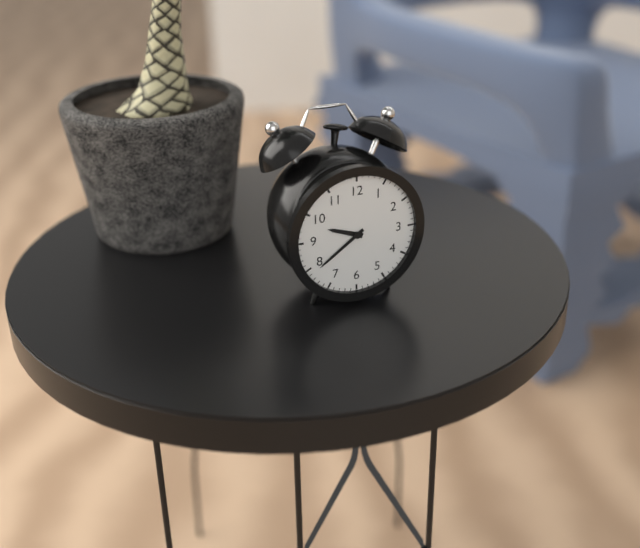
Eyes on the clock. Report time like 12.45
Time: 9.39
